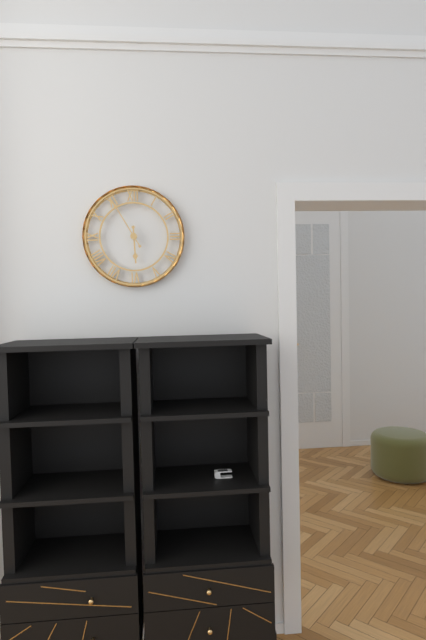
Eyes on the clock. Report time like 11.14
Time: 5.55
